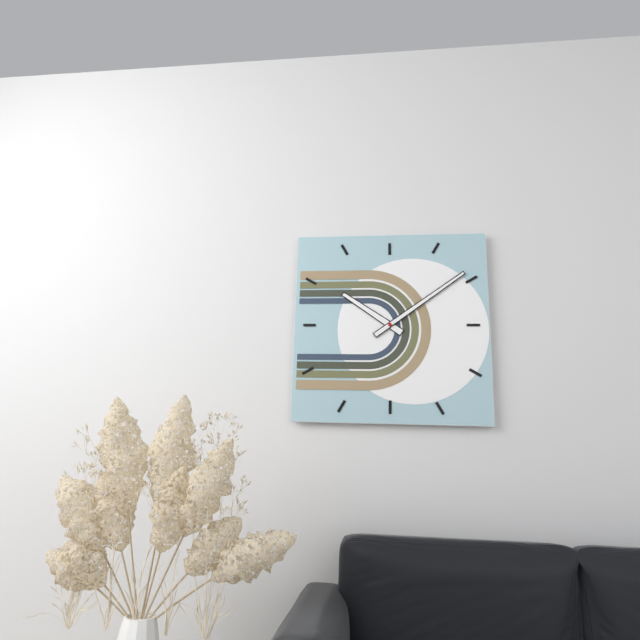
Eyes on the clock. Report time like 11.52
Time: 10.09
